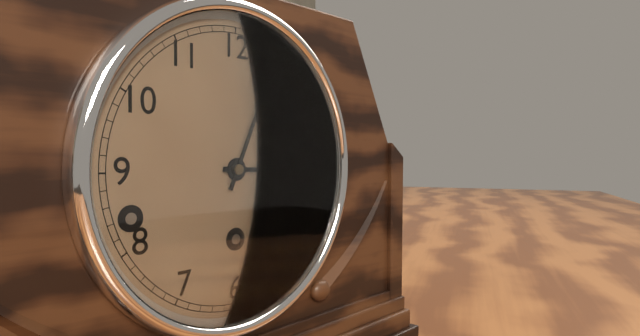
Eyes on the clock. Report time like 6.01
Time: 3.04
